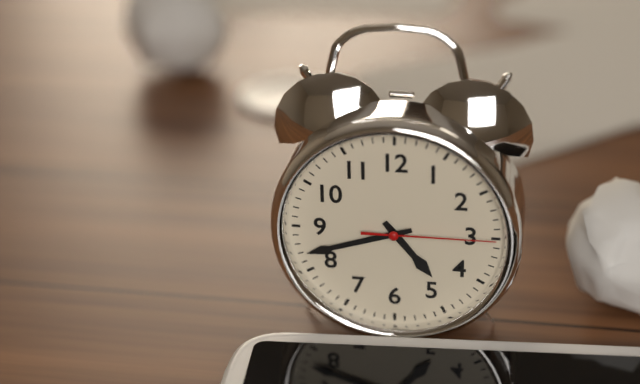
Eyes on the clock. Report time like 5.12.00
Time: 4.42.15
